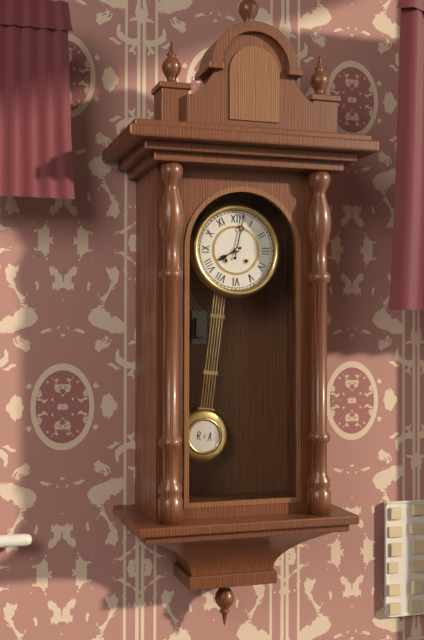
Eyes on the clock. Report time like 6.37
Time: 8.02
